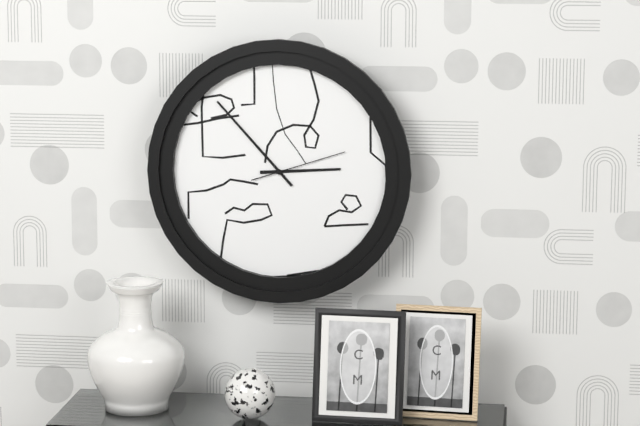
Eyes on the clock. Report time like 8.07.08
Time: 2.53.12
